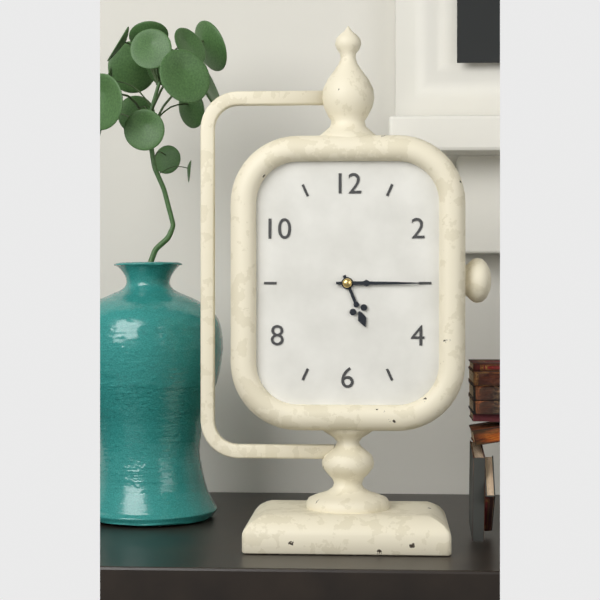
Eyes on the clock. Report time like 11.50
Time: 5.15
